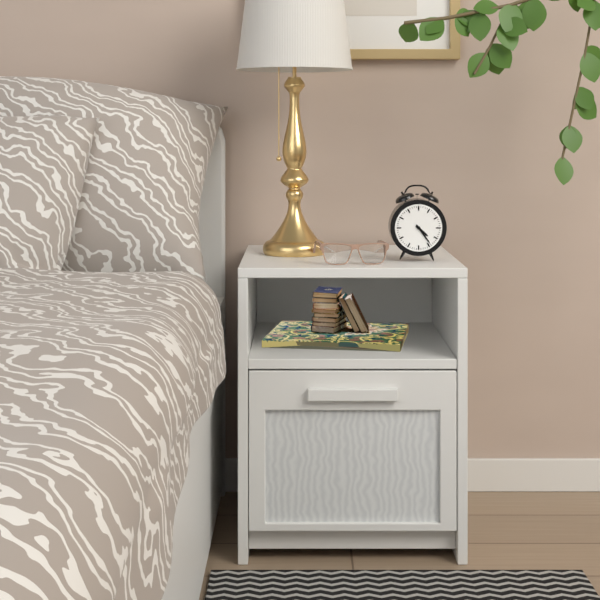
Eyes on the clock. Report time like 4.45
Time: 4.24
